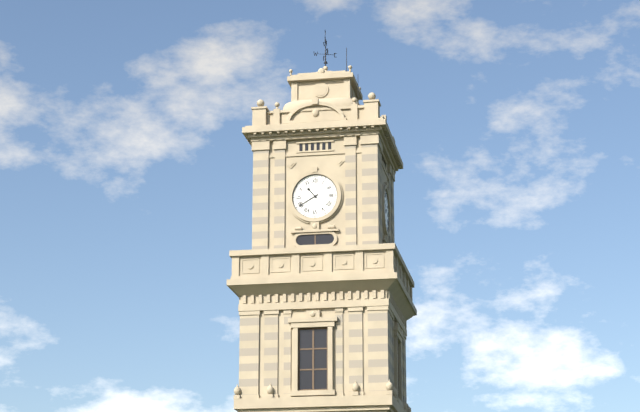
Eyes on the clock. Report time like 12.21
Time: 10.40
